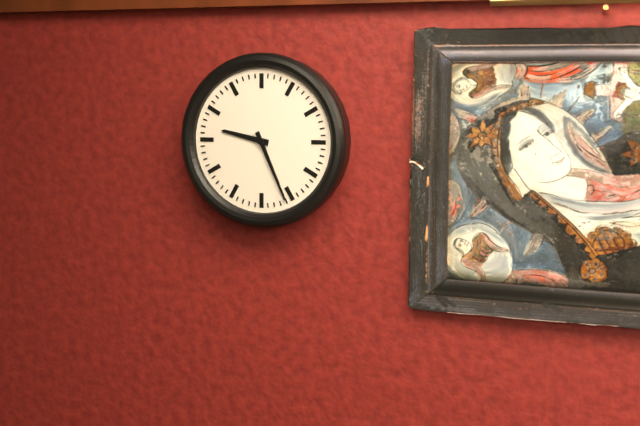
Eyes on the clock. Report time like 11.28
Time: 9.26
